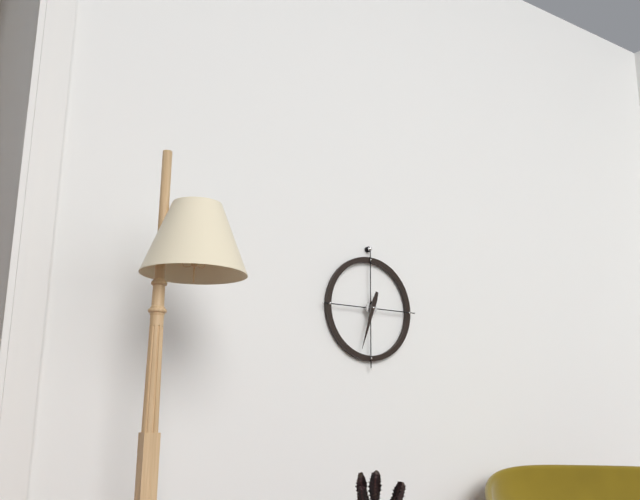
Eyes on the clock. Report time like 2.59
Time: 6.33
